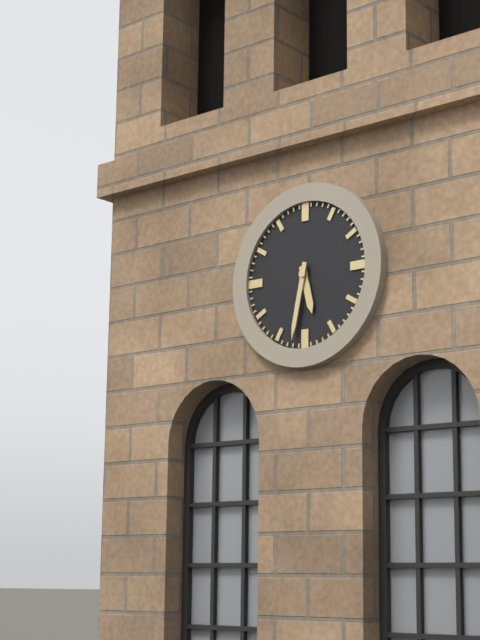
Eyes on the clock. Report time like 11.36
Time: 5.32
